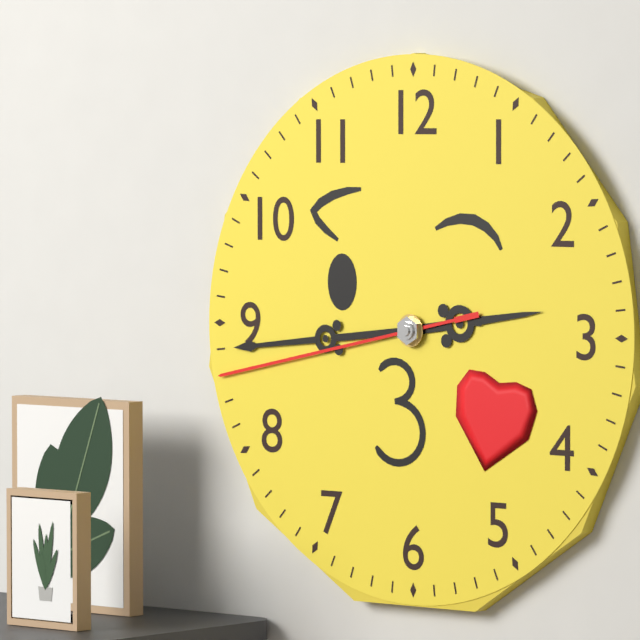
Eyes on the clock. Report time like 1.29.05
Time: 2.44.43
